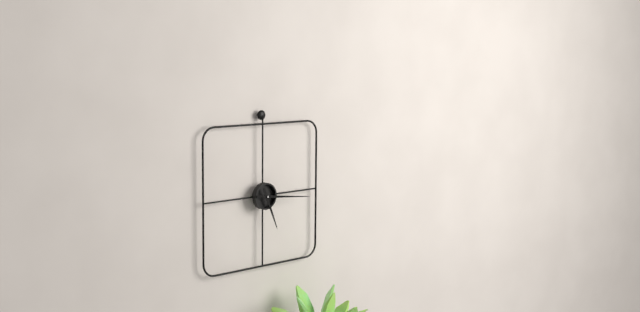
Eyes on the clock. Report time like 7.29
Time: 5.16
